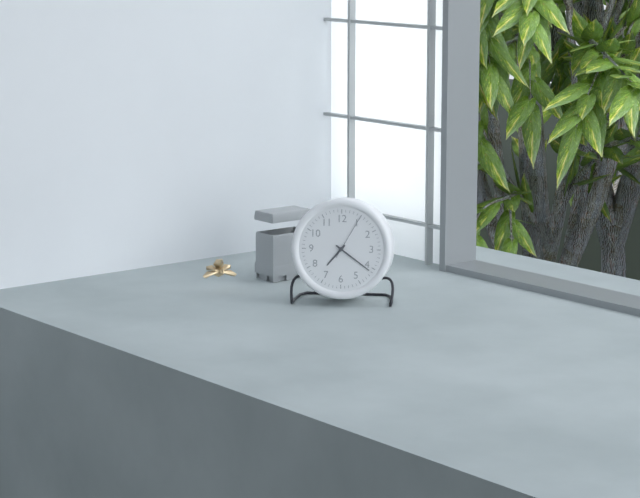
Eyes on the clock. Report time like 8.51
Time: 7.21
